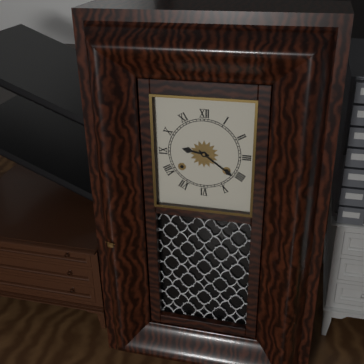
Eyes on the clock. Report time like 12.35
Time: 9.21
